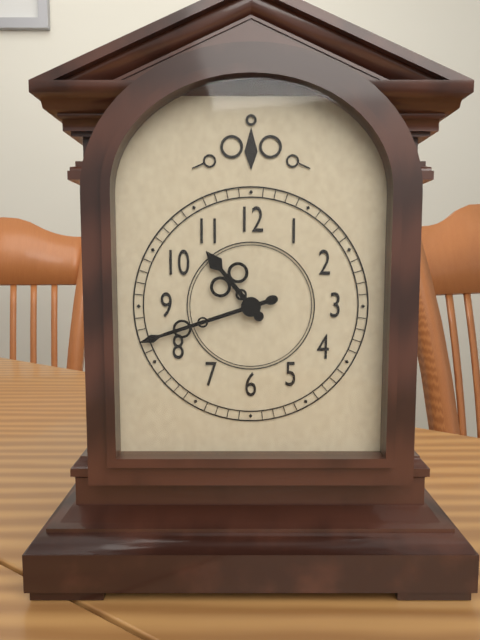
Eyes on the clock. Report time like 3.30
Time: 10.42
